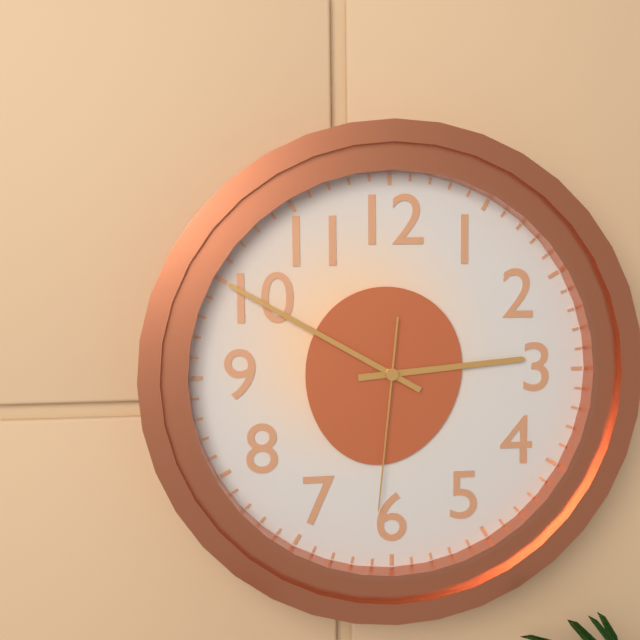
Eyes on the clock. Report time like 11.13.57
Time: 2.50.31
